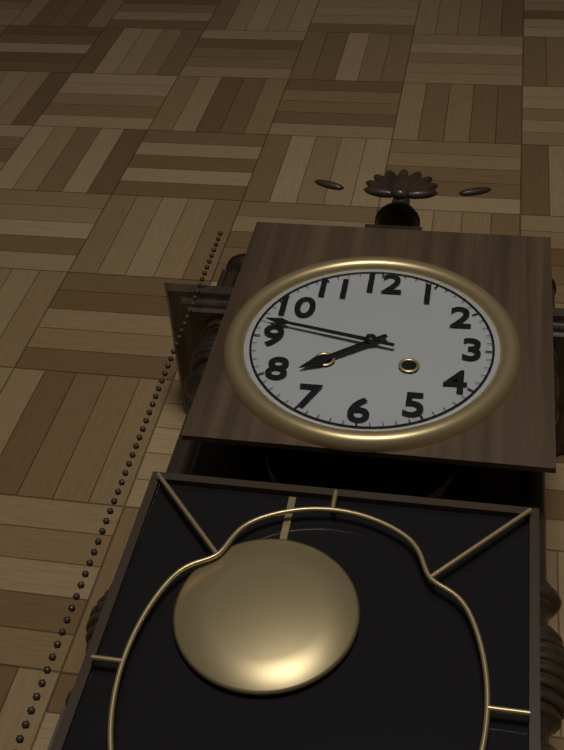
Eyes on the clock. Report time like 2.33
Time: 7.47
